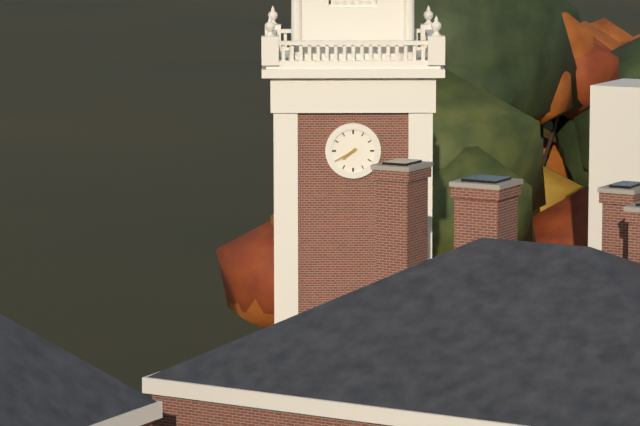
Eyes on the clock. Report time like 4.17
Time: 7.40
